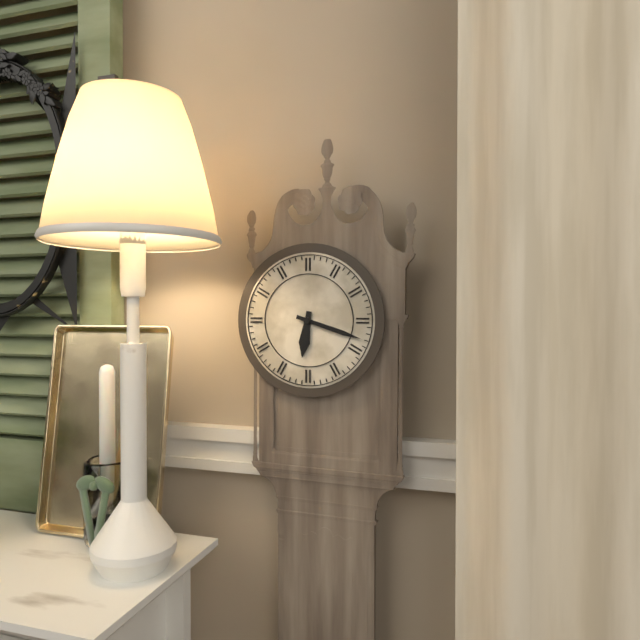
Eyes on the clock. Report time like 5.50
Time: 6.18
